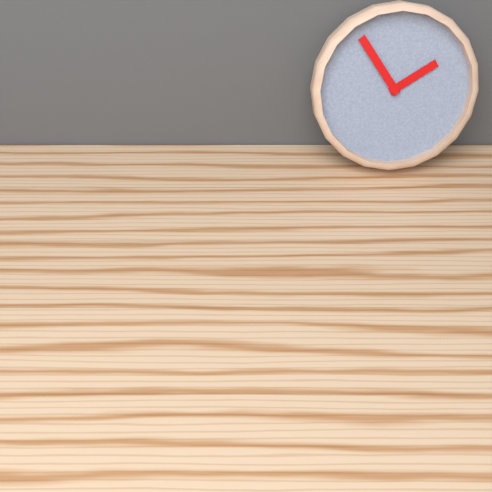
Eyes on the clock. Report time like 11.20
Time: 1.54
